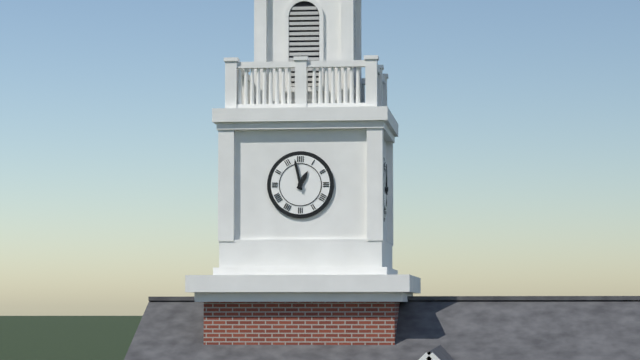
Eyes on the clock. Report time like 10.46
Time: 12.58
